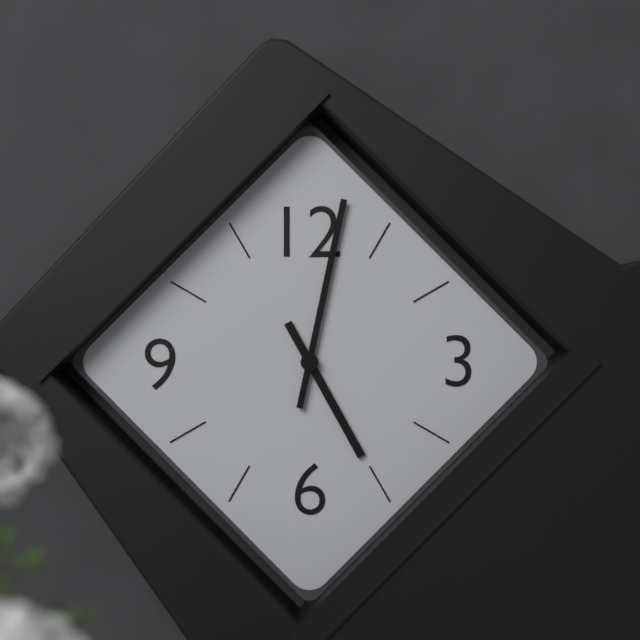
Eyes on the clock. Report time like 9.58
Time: 5.02
